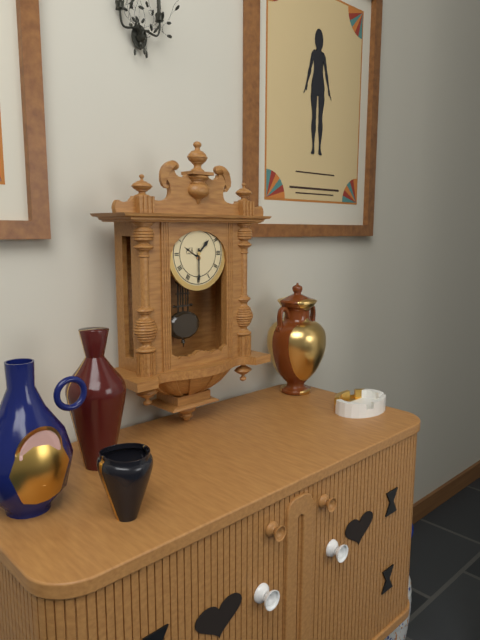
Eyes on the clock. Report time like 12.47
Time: 1.30
